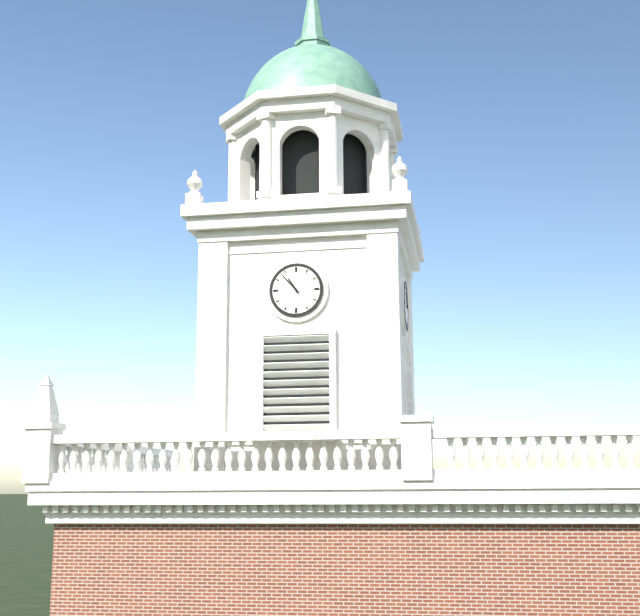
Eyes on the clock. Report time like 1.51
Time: 10.53
